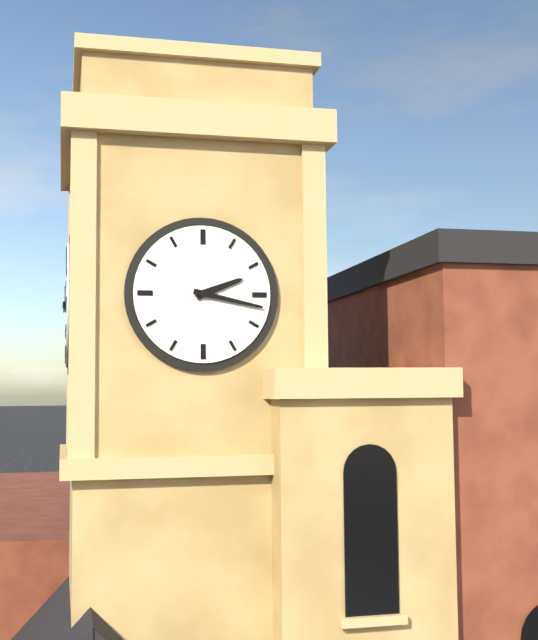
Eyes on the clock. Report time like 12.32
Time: 2.17
